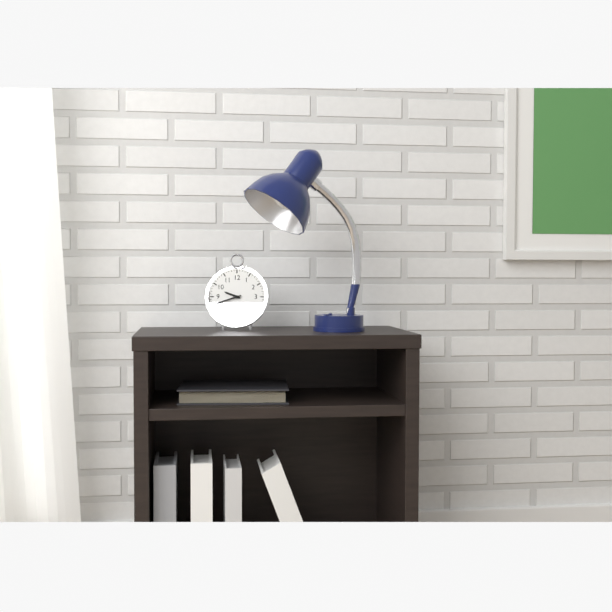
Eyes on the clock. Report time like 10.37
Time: 9.42
